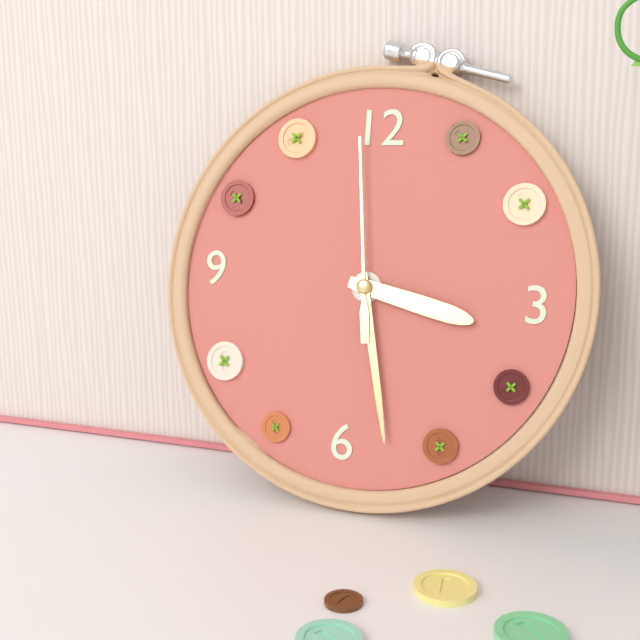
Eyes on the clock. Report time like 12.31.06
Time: 3.28.59
